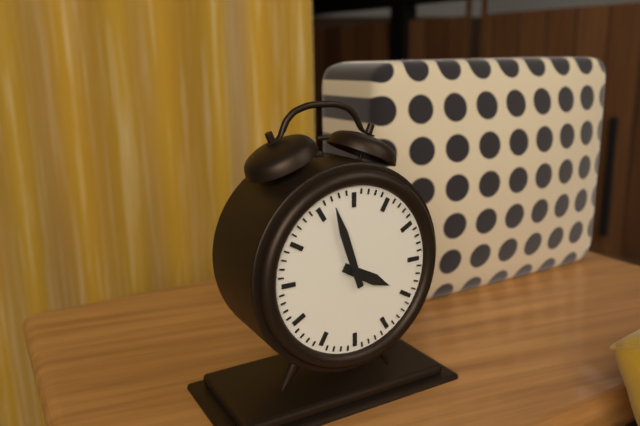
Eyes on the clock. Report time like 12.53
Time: 3.57
